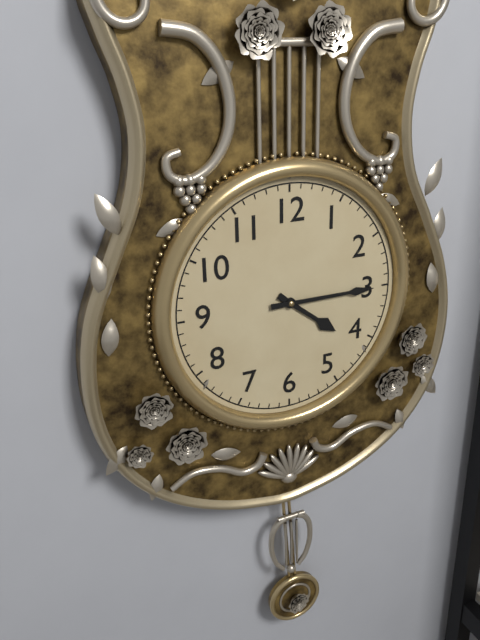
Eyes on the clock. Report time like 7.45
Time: 4.15
